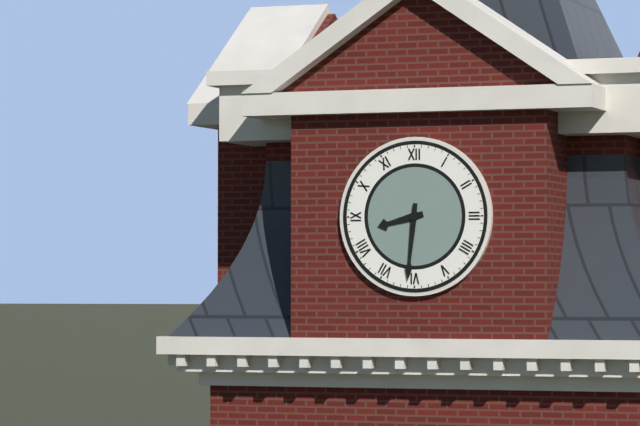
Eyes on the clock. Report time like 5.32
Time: 8.31
